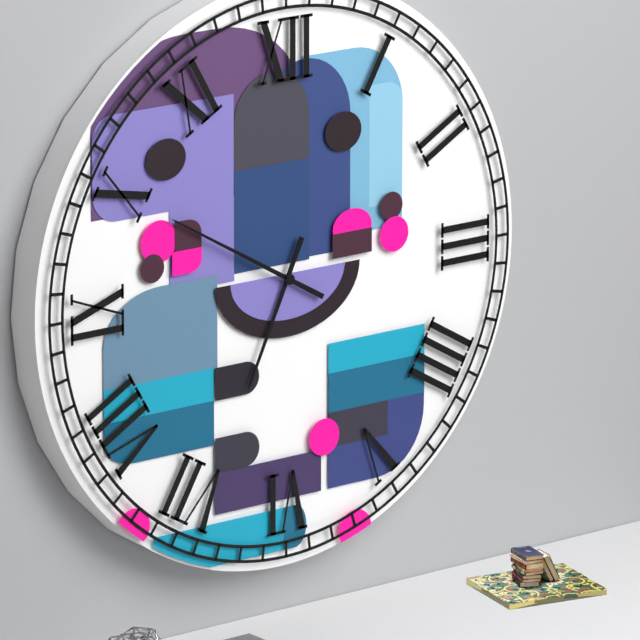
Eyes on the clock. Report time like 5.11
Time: 6.50
